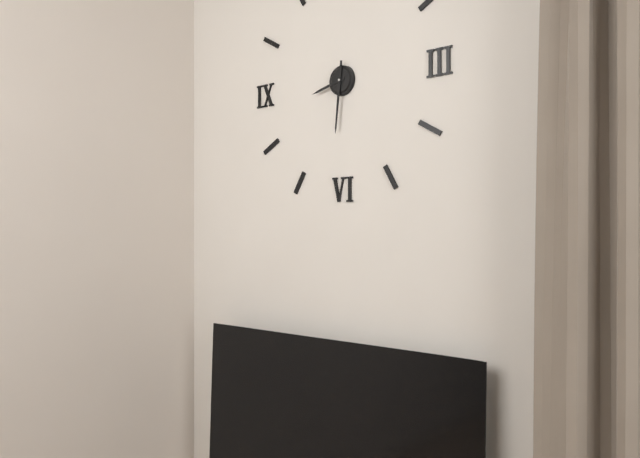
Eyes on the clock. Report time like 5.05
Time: 8.31
